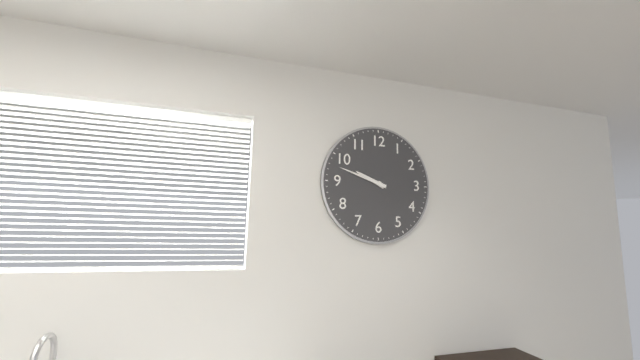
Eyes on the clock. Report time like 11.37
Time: 9.48
